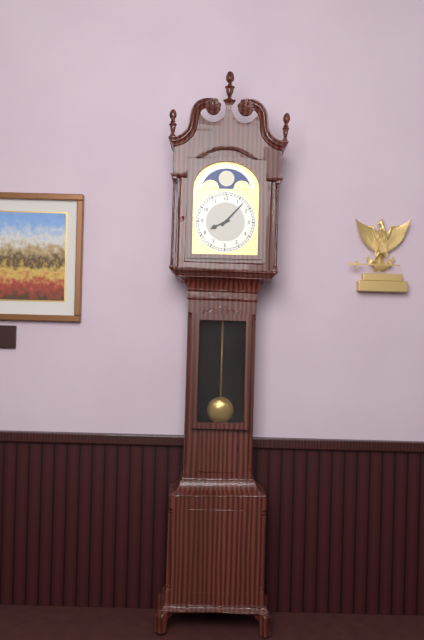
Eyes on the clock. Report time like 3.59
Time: 8.07
